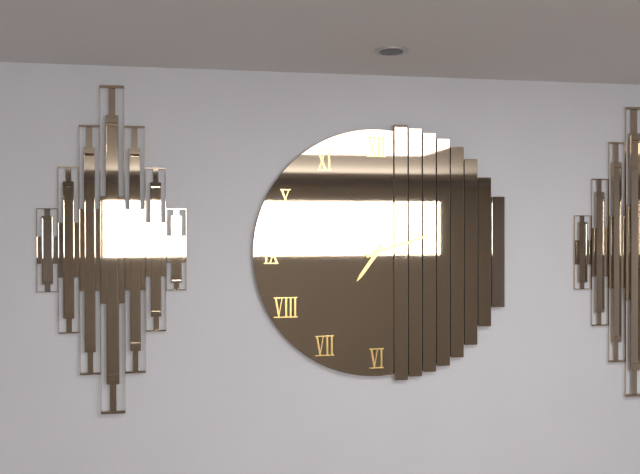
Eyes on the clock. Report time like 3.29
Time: 7.12
